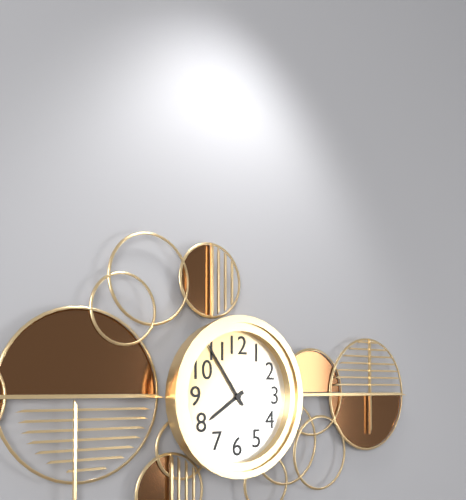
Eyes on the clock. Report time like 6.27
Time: 7.54
